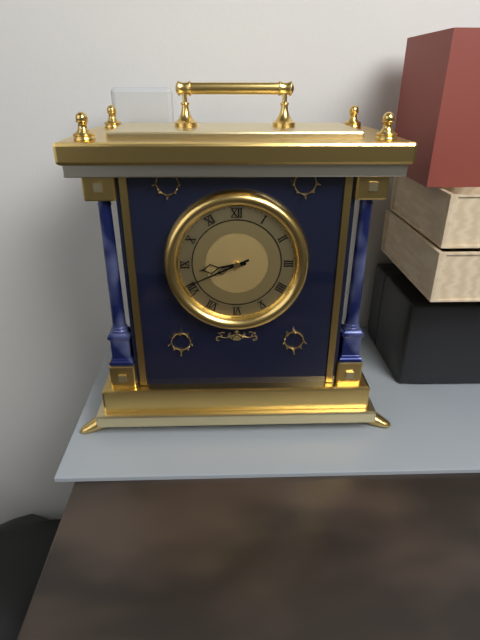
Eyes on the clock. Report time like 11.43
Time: 8.41
